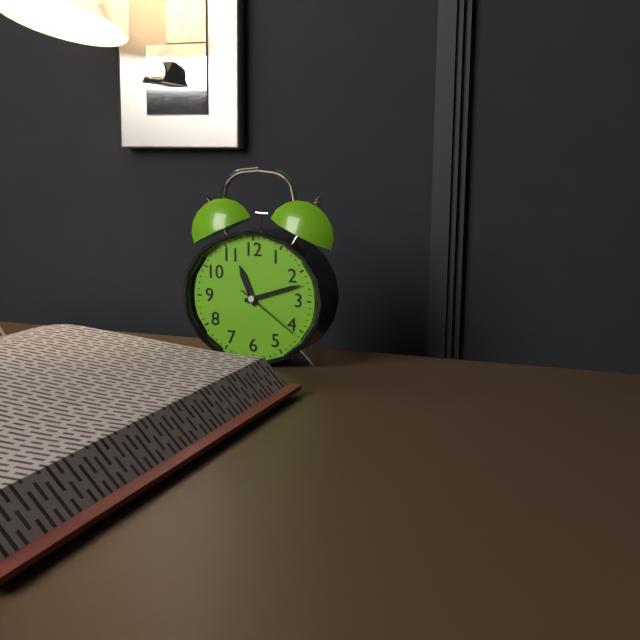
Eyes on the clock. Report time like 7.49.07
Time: 11.12.21
